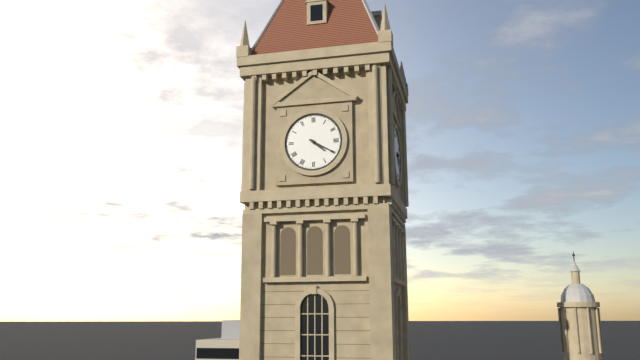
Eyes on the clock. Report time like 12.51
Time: 4.20
